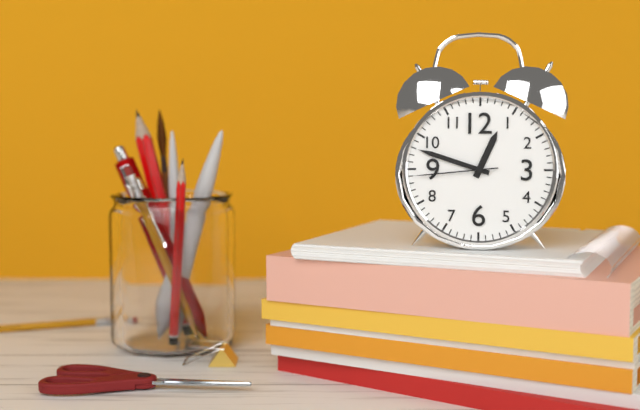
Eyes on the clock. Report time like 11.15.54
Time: 12.48.44
